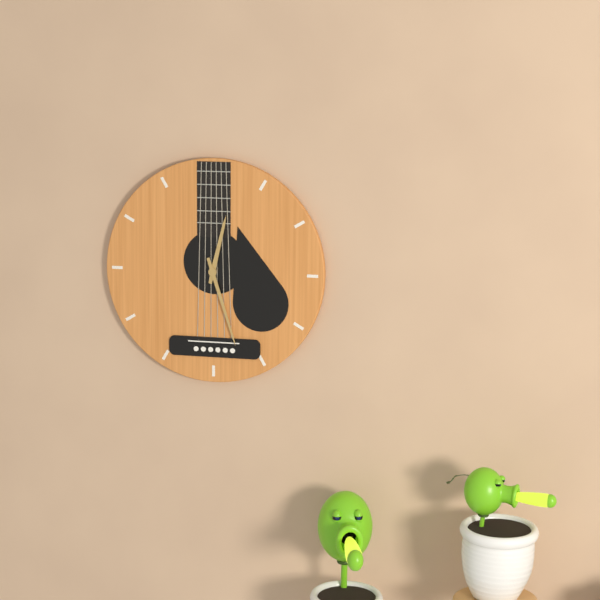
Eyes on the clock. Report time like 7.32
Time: 12.27
